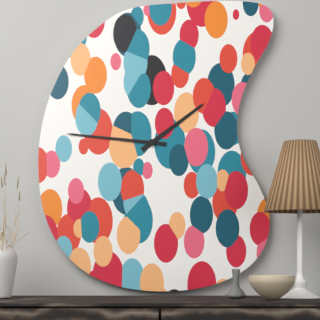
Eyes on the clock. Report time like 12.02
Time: 1.46
